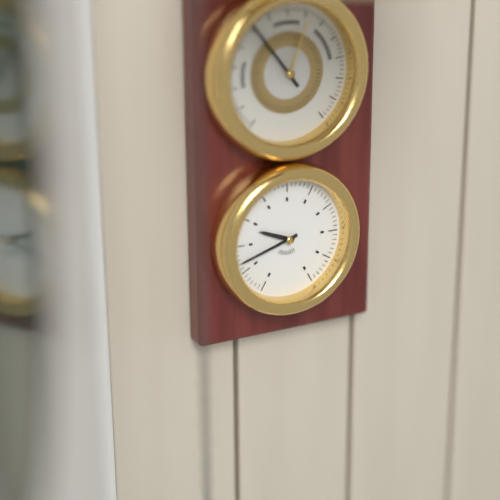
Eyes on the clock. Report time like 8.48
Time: 9.42
